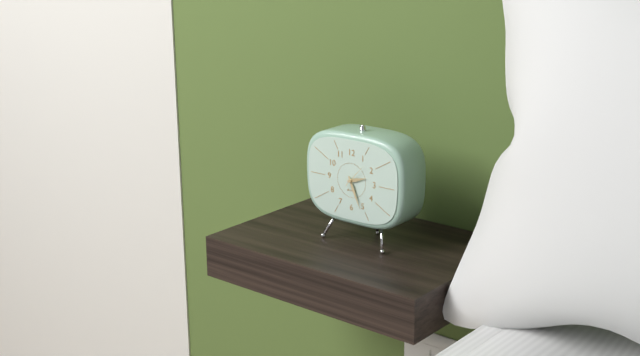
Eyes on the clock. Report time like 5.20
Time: 2.26
